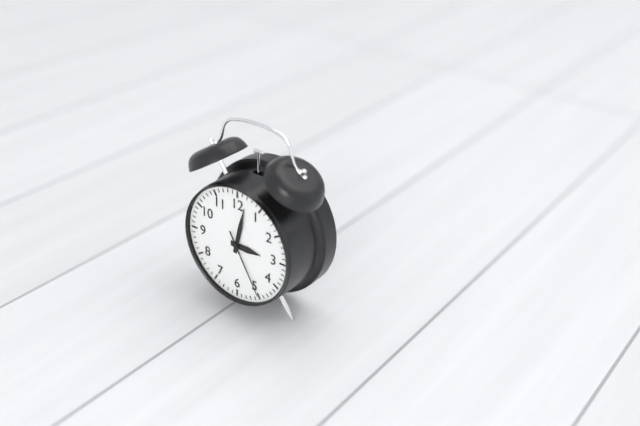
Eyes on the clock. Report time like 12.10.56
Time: 3.02.25
